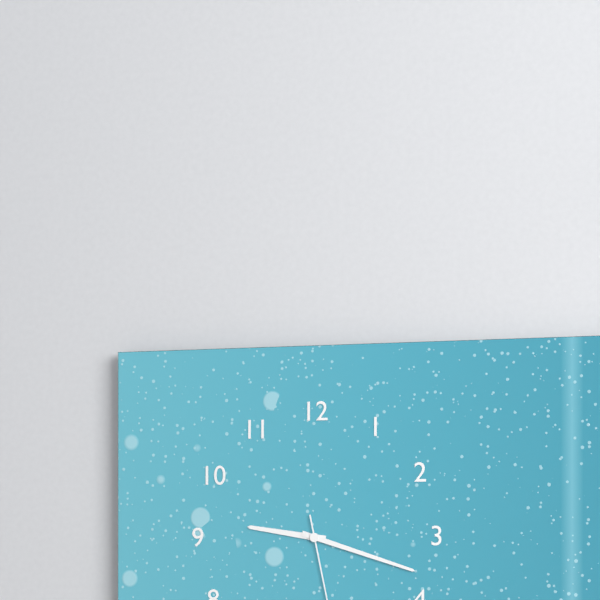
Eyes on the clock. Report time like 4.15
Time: 9.18
